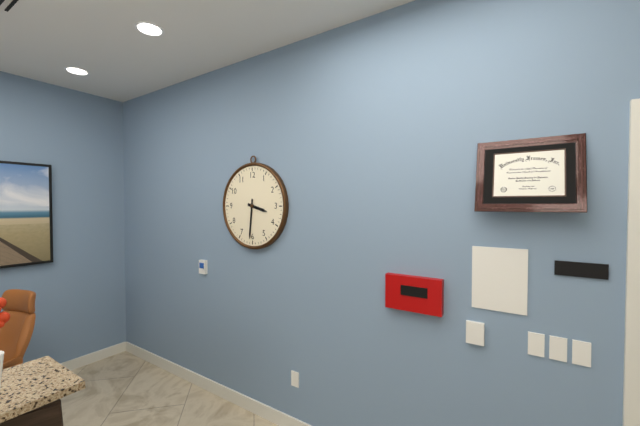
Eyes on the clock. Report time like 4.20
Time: 3.31
